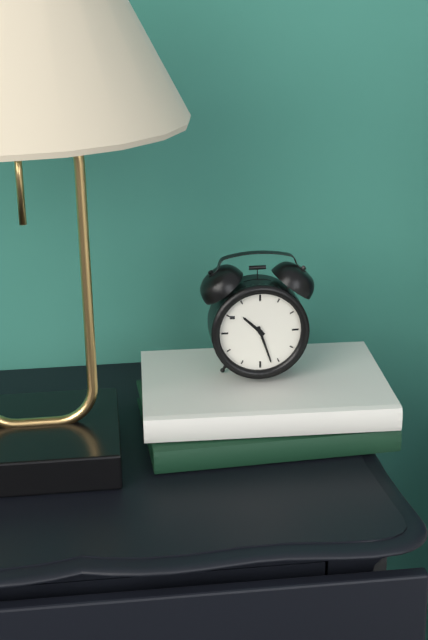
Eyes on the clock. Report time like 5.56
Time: 10.27
